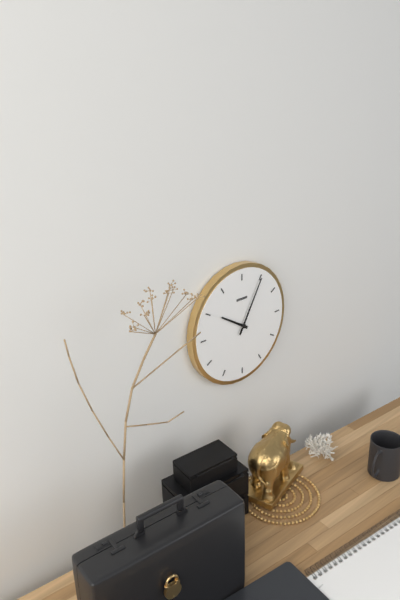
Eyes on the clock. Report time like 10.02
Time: 10.05
